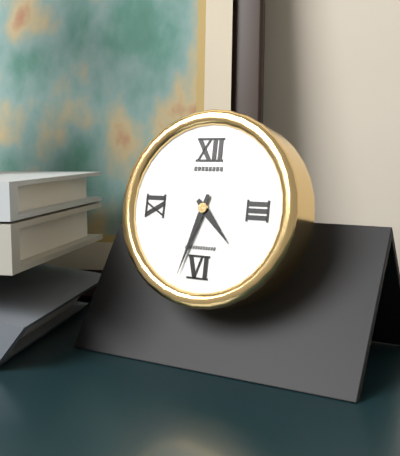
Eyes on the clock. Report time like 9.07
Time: 4.33
